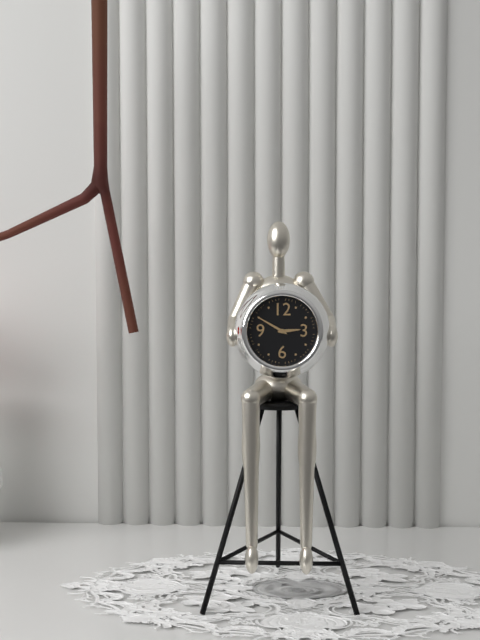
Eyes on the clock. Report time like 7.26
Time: 2.50
